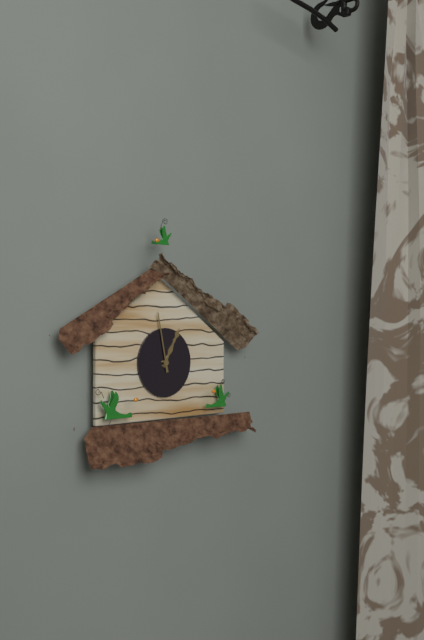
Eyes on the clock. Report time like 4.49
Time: 12.58
